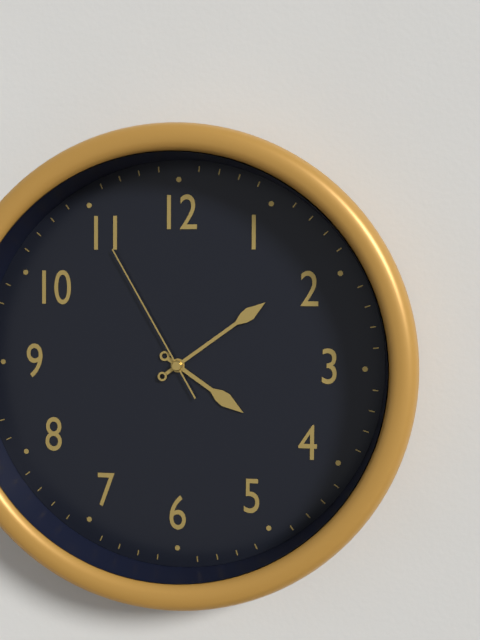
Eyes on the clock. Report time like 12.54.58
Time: 4.09.55
